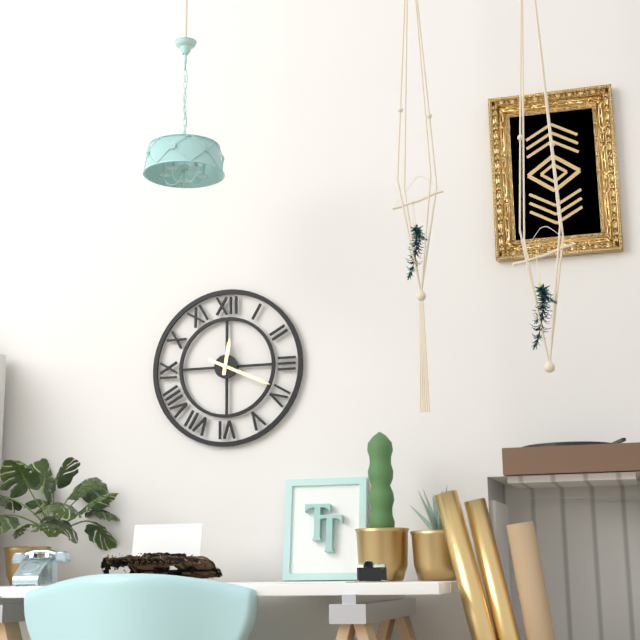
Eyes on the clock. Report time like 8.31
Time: 12.19
